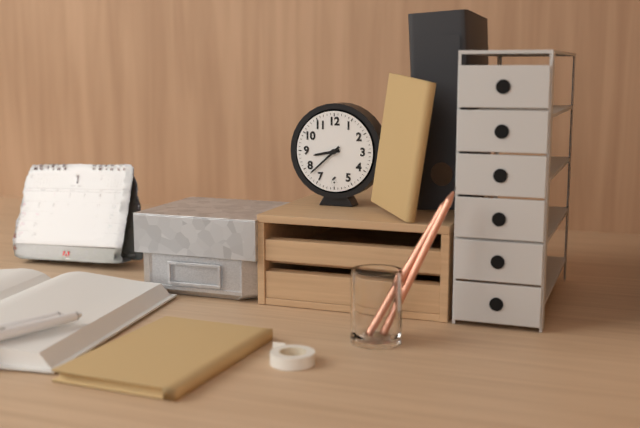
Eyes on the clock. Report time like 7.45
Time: 8.38
